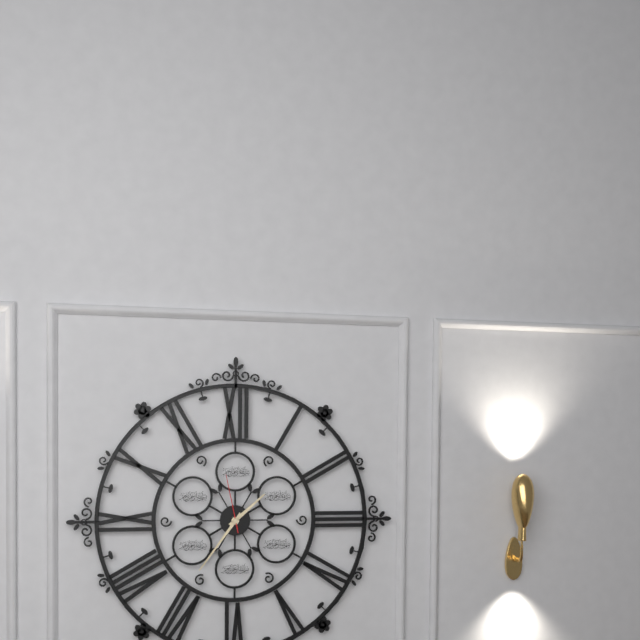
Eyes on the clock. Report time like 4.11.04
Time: 1.36.58
